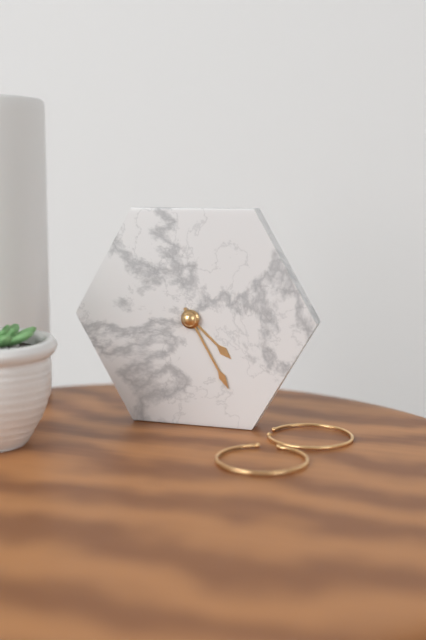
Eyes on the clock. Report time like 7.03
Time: 4.25
